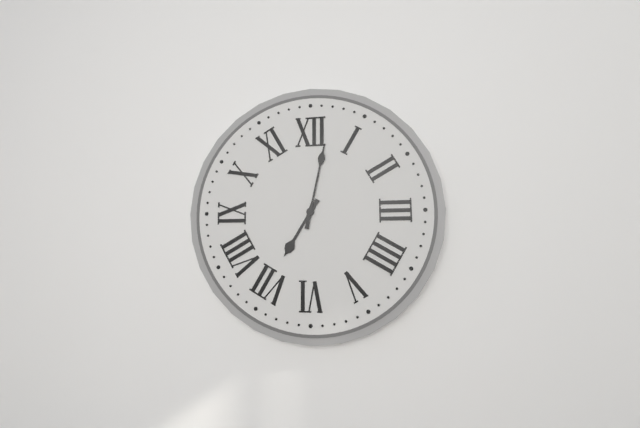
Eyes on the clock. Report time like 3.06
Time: 7.02
